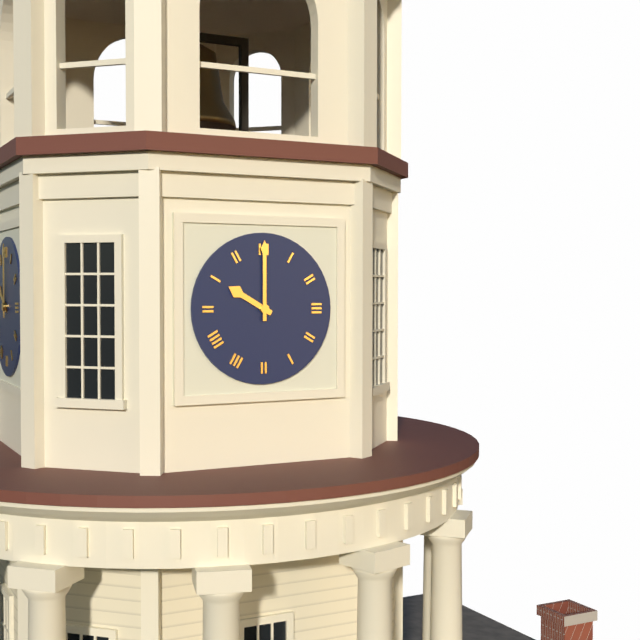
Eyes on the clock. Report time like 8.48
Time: 10.00
